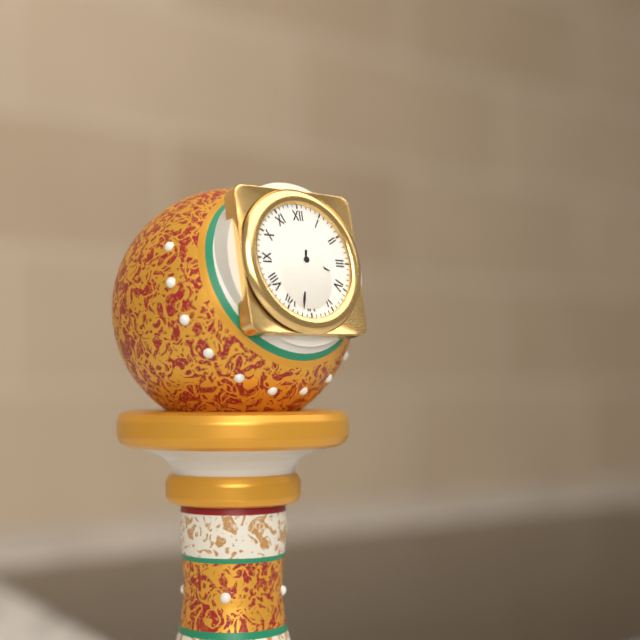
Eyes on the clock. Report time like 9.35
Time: 3.32
